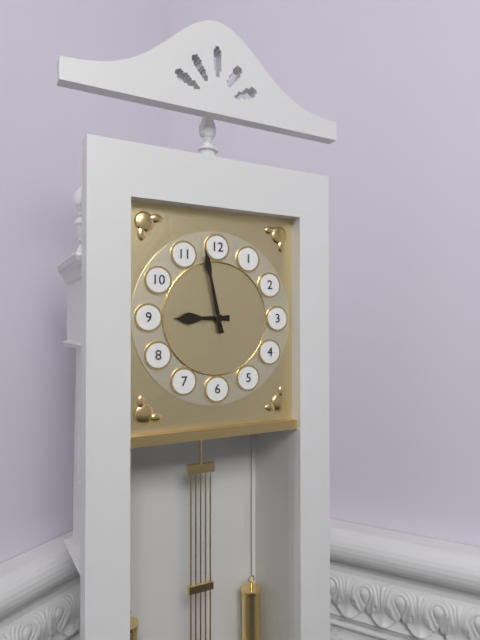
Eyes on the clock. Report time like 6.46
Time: 8.58
